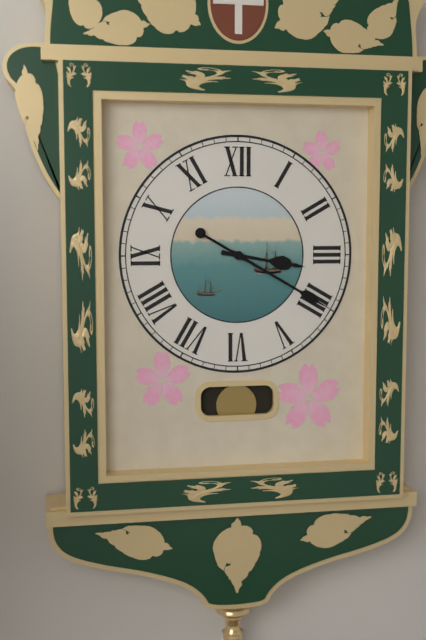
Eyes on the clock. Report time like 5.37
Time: 3.20
